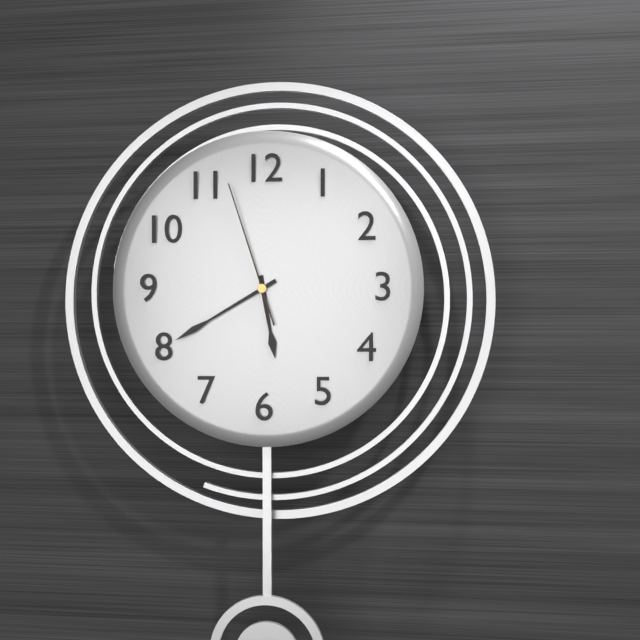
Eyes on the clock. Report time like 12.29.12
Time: 5.40.57
